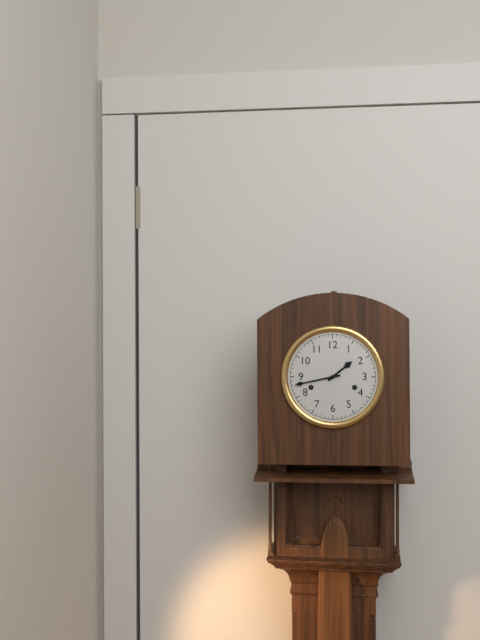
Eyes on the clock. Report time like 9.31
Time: 1.43
